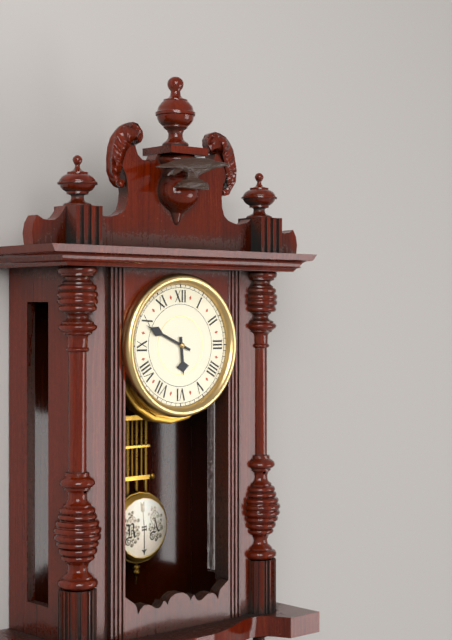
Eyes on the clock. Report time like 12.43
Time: 5.49
